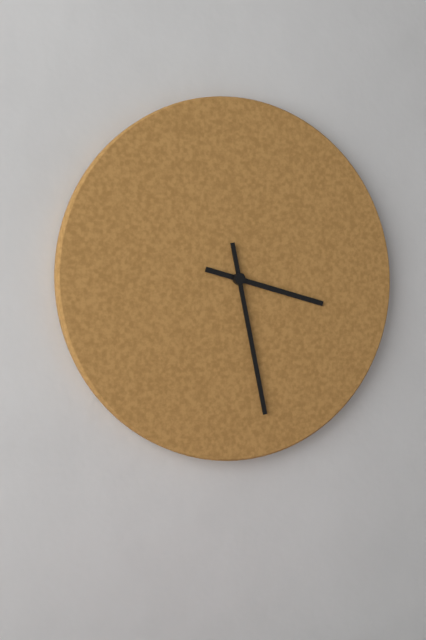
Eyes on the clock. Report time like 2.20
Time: 3.28
